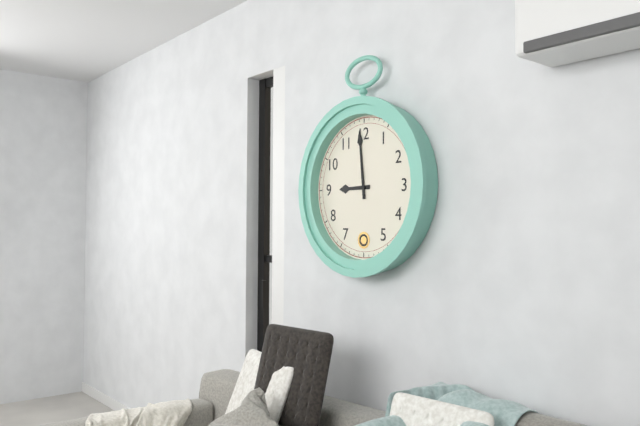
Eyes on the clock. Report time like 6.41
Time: 8.59
